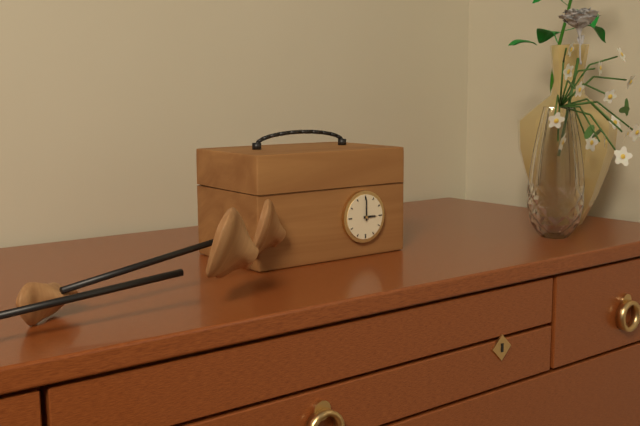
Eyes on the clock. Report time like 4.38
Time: 3.00
